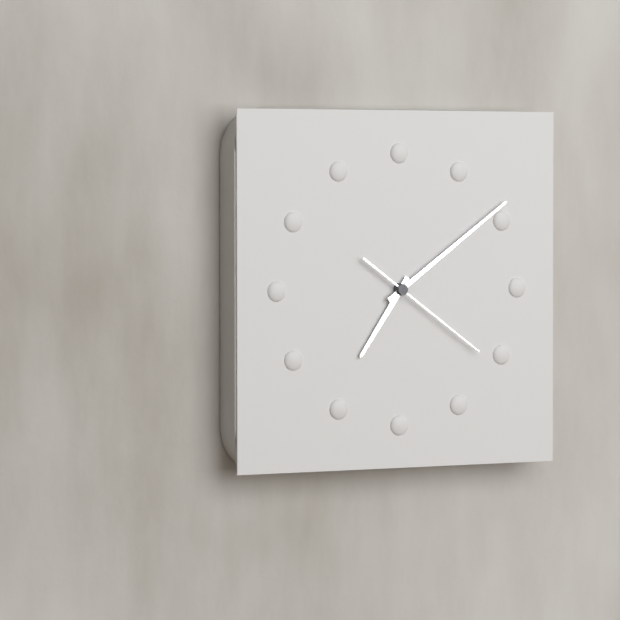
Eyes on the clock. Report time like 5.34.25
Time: 7.09.21
